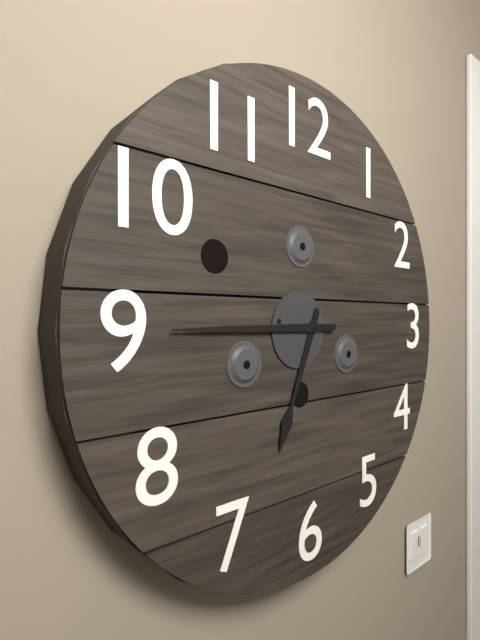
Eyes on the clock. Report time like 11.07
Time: 6.45
